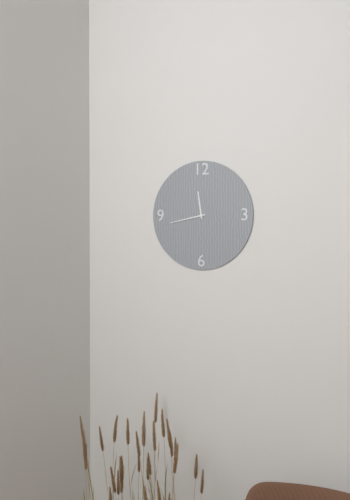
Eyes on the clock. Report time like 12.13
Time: 11.43
